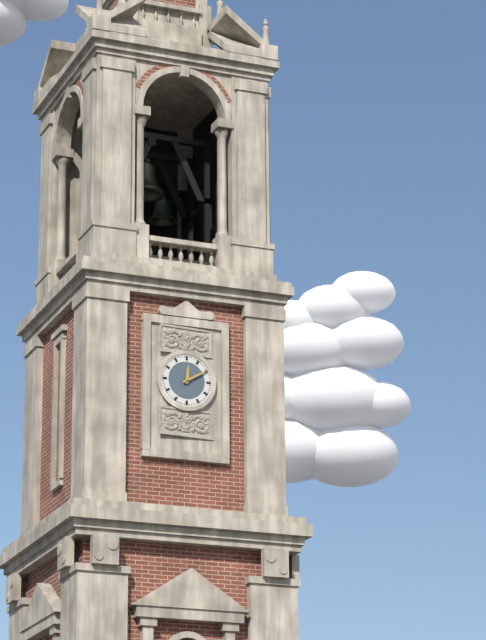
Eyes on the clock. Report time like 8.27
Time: 12.10
